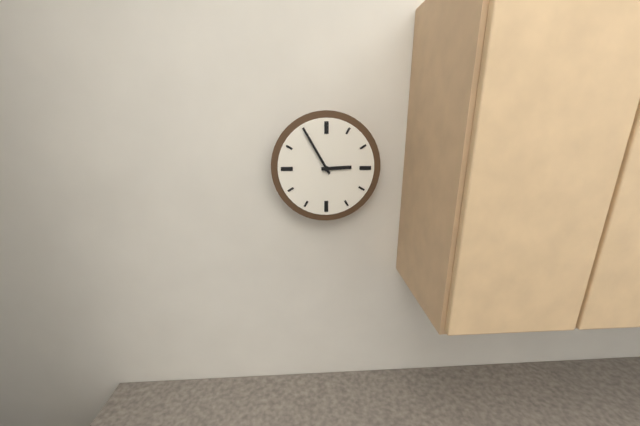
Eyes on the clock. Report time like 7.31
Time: 2.55
